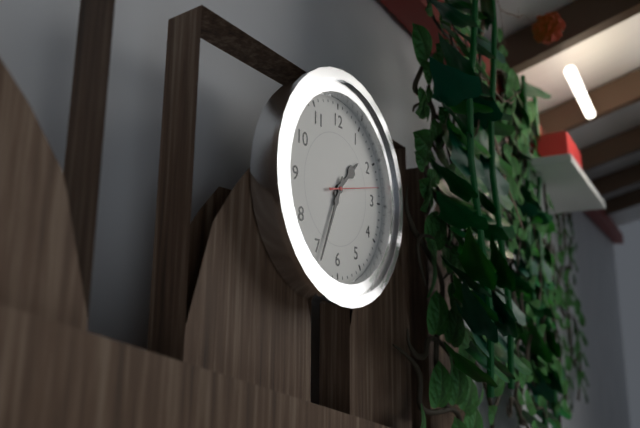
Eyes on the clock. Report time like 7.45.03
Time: 1.34.13
